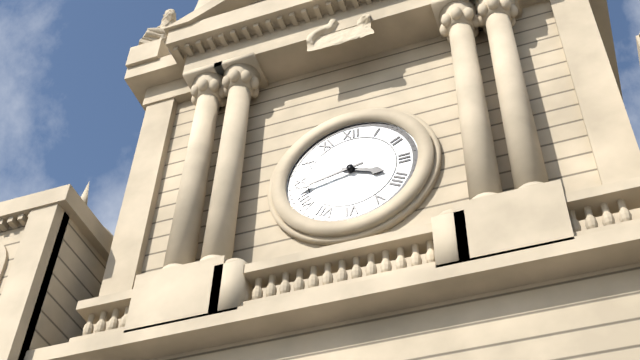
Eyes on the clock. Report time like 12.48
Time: 3.43
